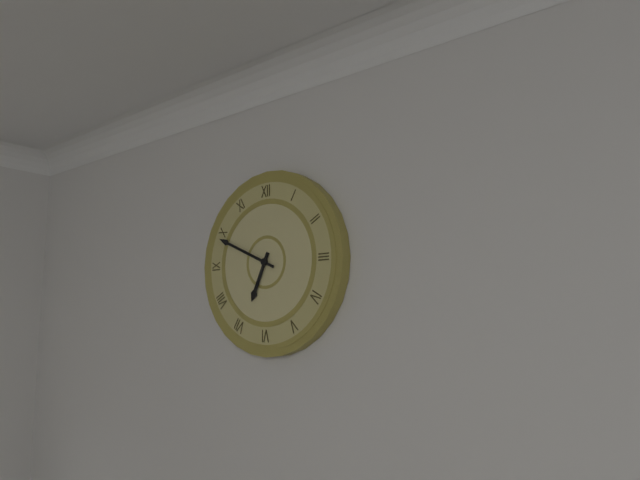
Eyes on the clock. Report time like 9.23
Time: 6.49
